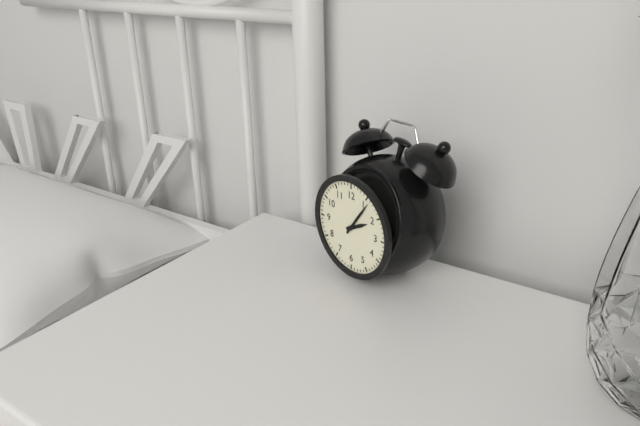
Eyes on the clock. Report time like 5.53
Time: 2.06
